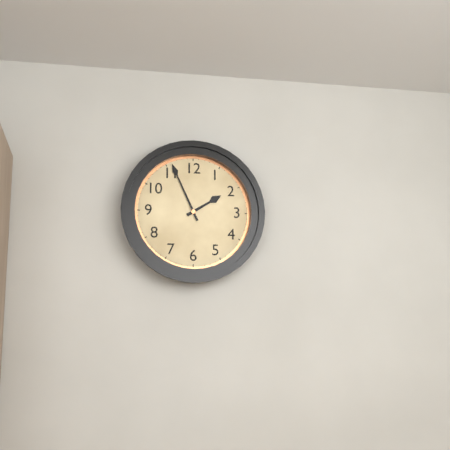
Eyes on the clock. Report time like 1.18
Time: 1.56
